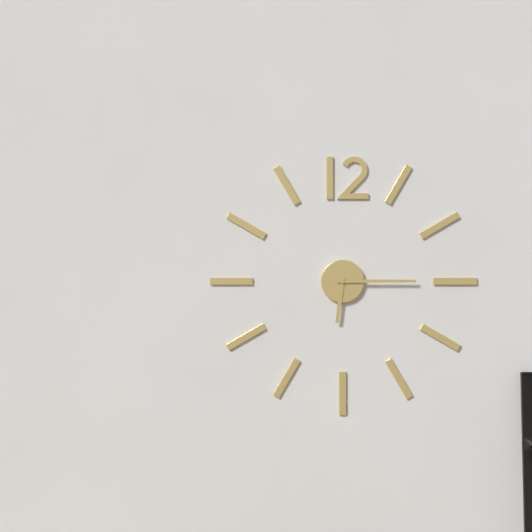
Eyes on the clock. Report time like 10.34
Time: 6.15
